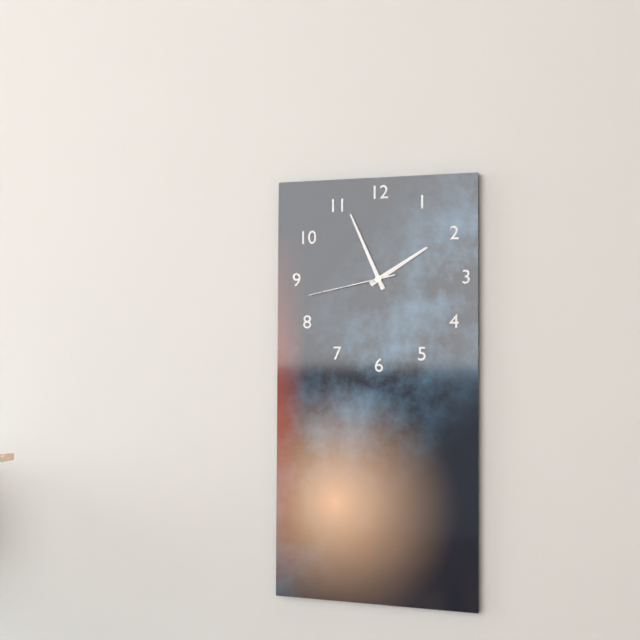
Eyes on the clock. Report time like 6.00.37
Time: 1.56.43
